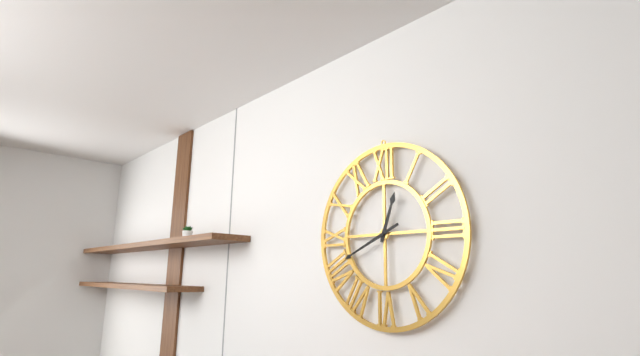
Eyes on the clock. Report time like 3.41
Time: 12.41
